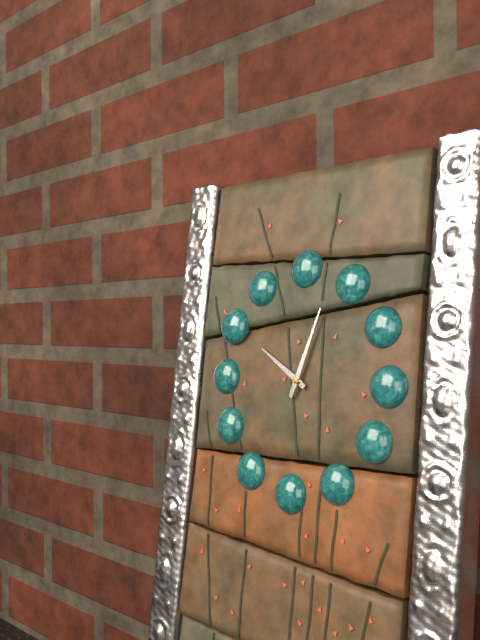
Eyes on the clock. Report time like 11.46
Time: 10.03
